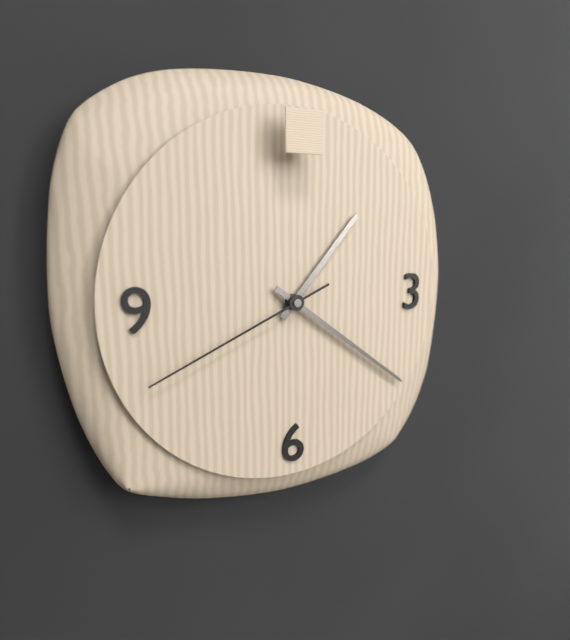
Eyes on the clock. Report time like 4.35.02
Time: 1.21.41
